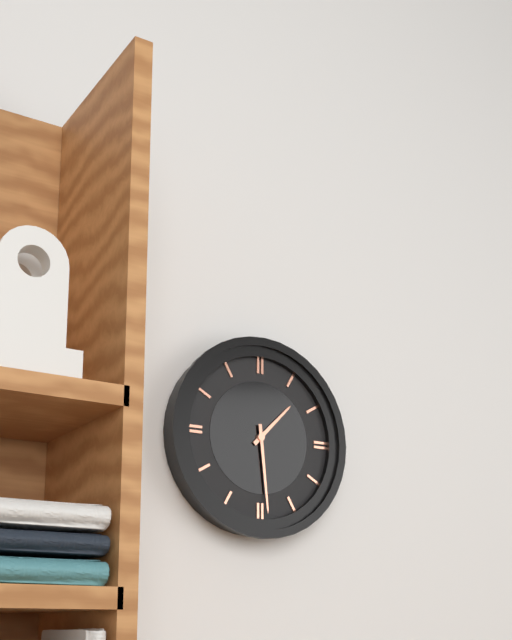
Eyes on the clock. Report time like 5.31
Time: 1.29
